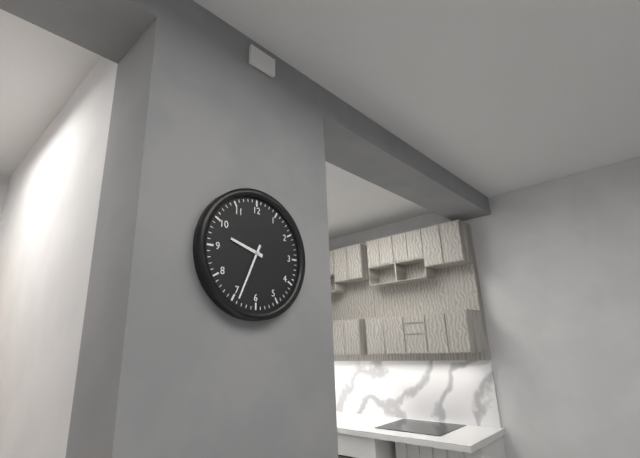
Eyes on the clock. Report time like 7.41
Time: 9.34
